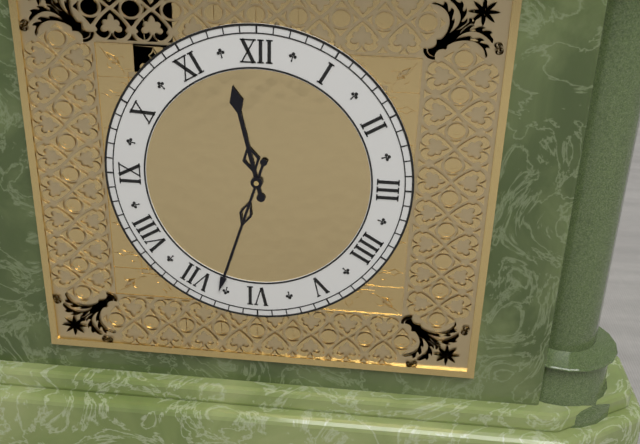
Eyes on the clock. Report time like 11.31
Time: 11.33
